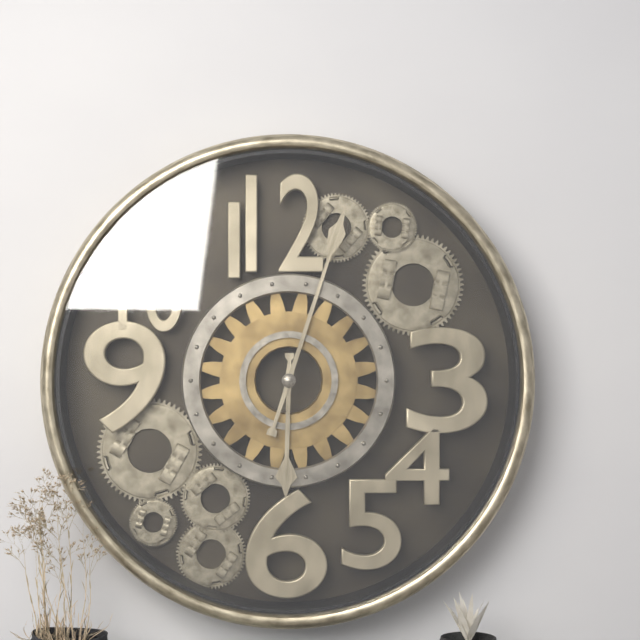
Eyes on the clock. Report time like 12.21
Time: 6.03
